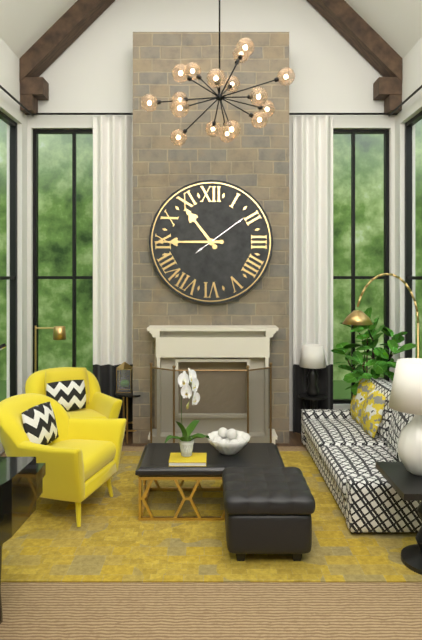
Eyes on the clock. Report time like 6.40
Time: 10.45
